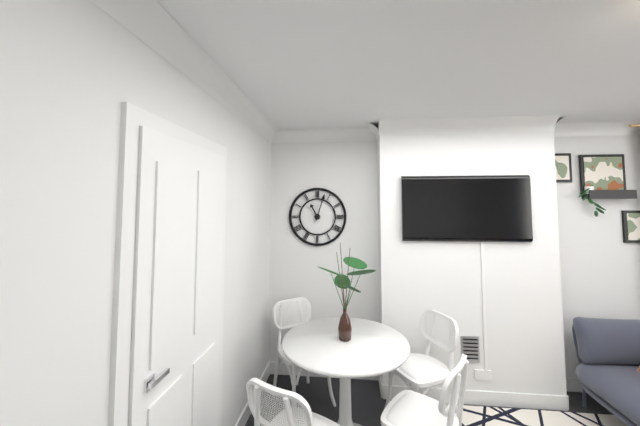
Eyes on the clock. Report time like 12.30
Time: 11.03
